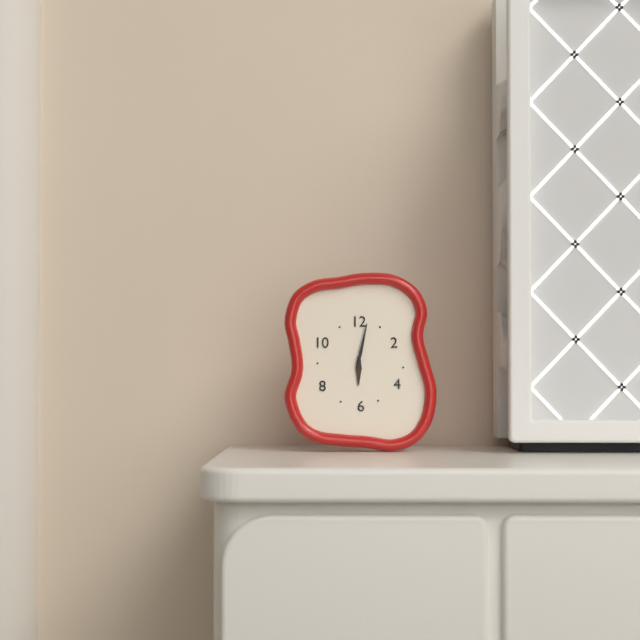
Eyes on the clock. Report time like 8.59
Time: 6.02
